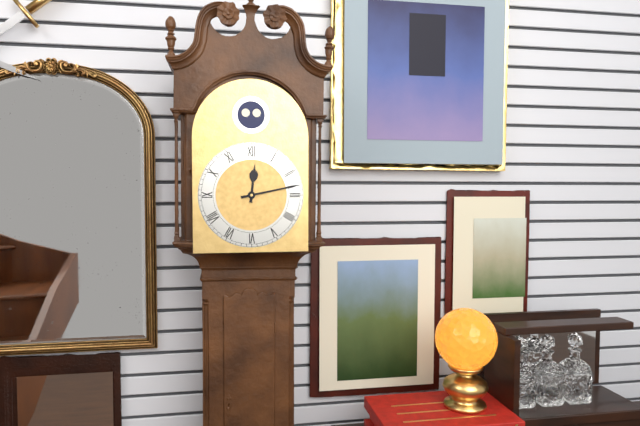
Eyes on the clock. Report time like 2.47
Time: 12.13
